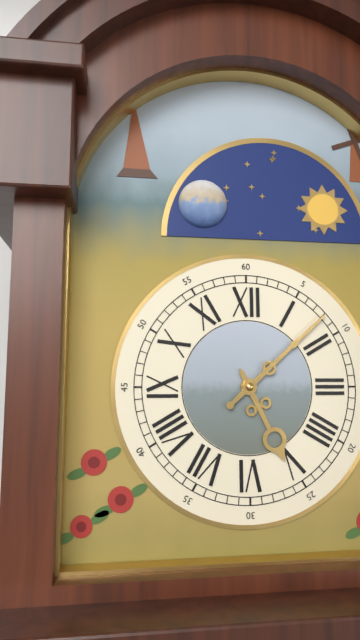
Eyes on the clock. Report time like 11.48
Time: 5.08
